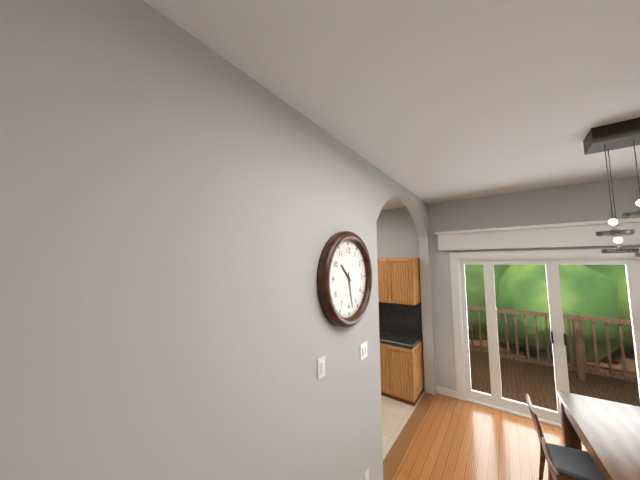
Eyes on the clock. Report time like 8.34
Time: 10.28
